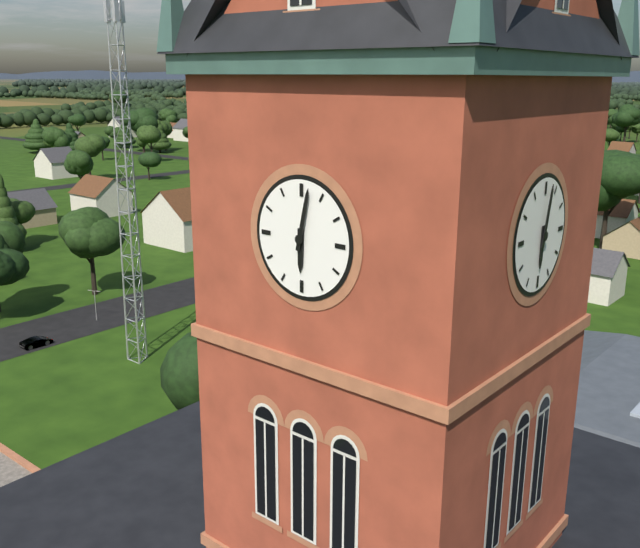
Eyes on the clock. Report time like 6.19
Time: 6.02
